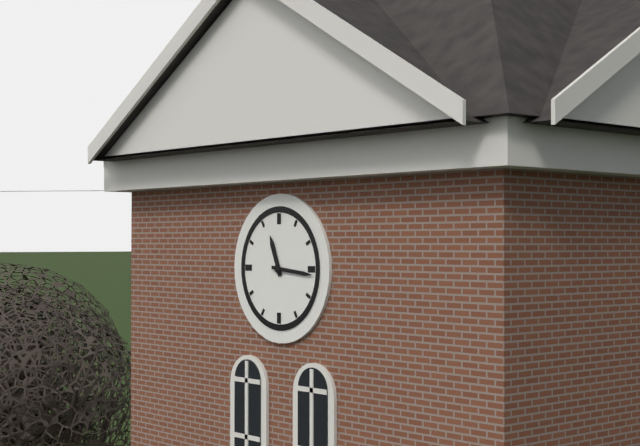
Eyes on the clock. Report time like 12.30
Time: 11.16
